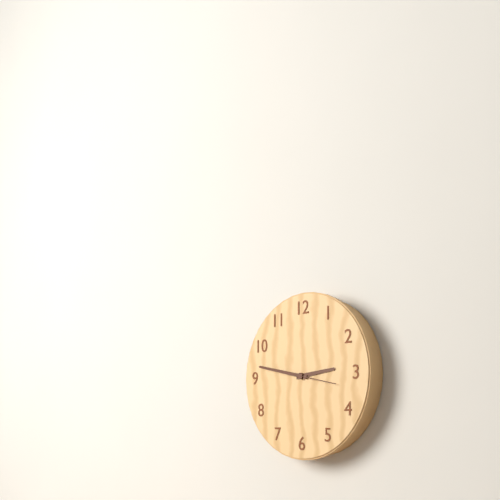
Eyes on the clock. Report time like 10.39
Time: 2.47
